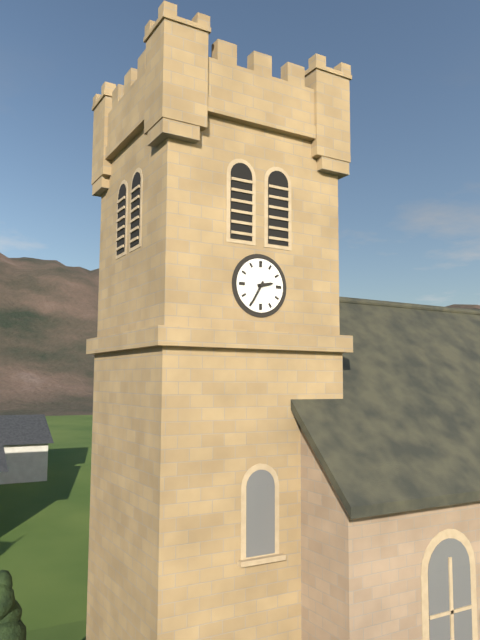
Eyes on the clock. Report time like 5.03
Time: 2.35
